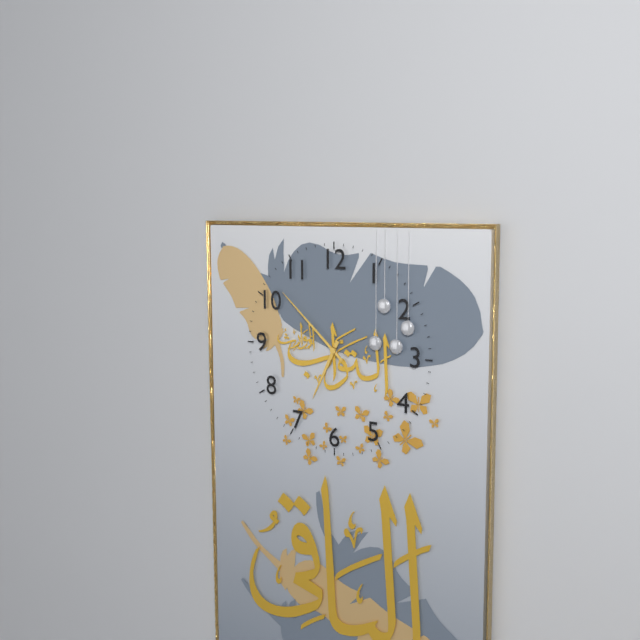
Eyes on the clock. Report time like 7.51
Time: 6.52
